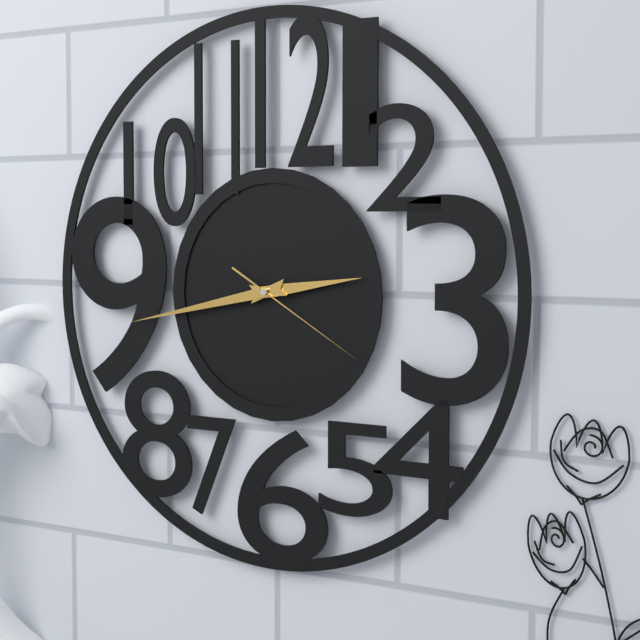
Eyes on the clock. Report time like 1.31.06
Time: 2.43.20
